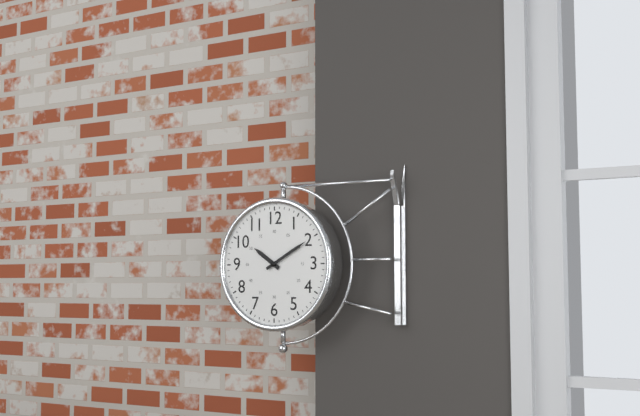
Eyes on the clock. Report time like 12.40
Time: 10.10
